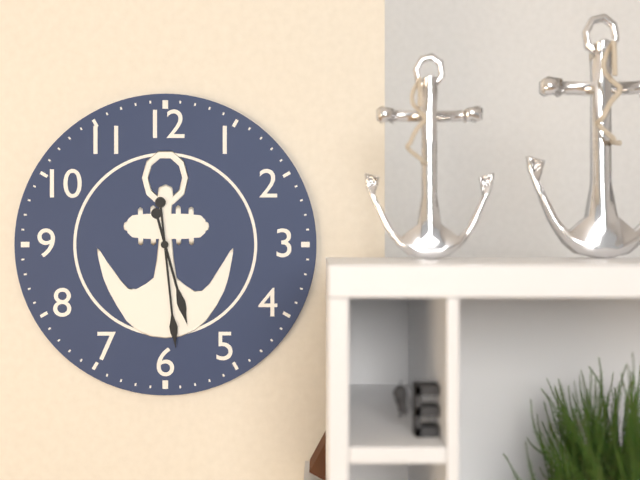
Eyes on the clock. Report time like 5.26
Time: 5.29
